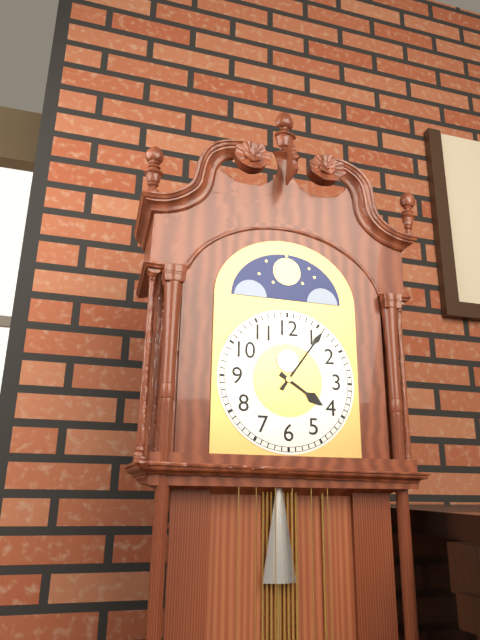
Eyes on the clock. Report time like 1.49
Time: 4.06
